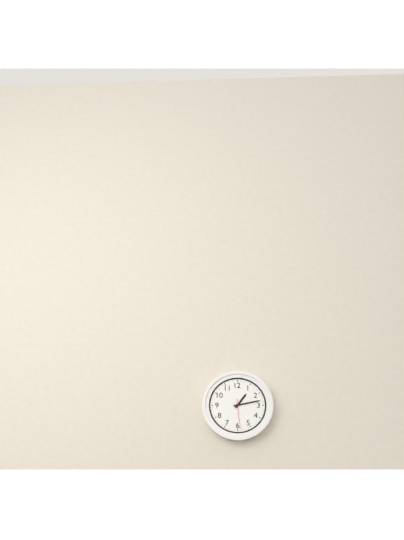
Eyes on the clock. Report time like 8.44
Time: 1.13
